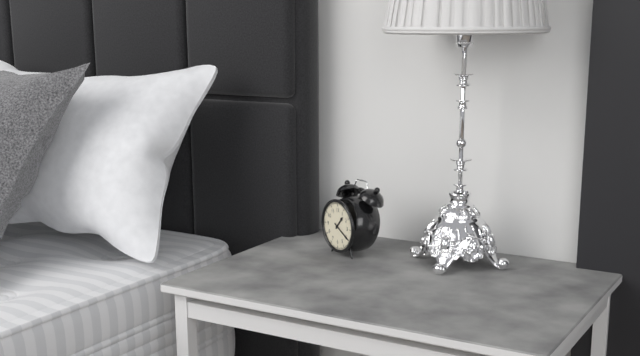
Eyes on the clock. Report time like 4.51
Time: 1.20
